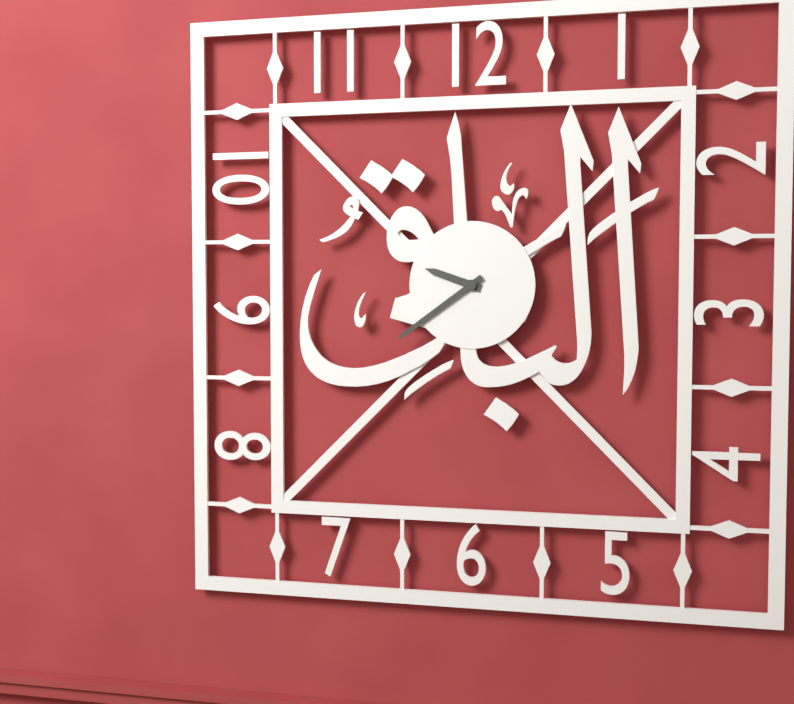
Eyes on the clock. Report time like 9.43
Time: 9.39
